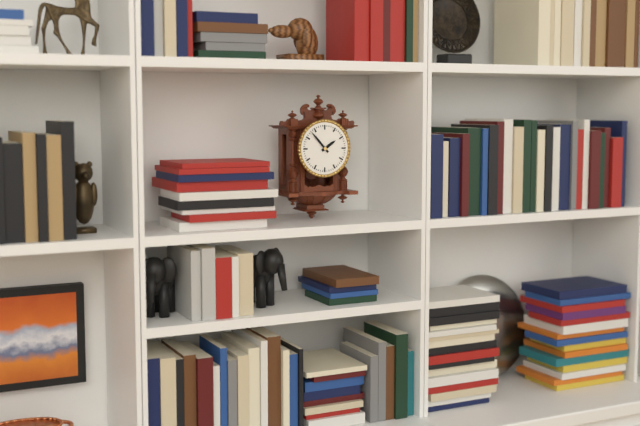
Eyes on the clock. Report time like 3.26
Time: 1.53
